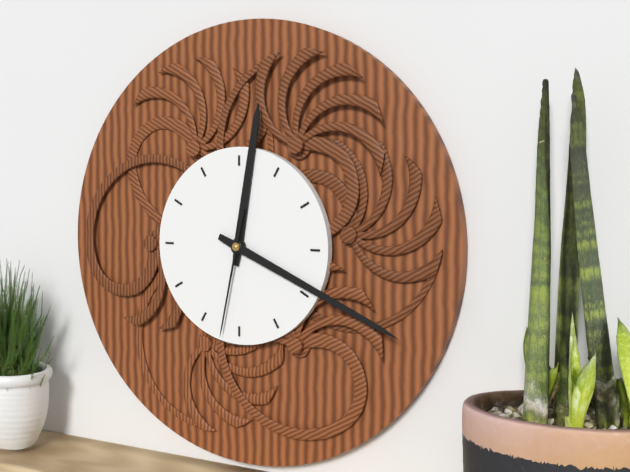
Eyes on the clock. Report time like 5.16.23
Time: 12.19.32
